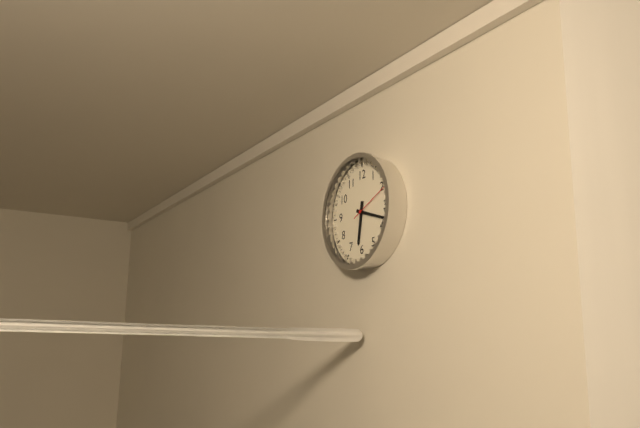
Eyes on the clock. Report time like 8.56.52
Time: 6.18.11
